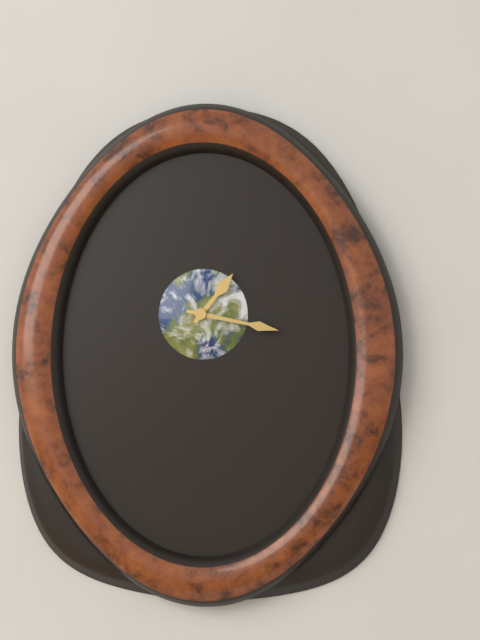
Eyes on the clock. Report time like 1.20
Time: 1.17
